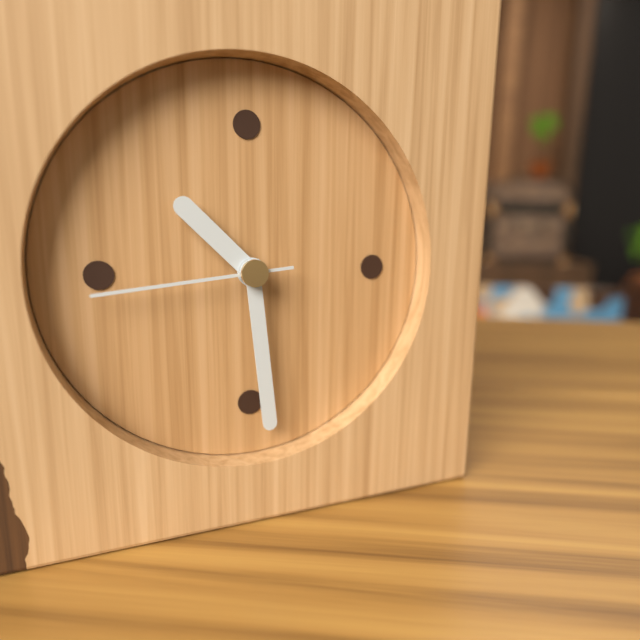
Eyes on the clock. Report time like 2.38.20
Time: 10.29.44
